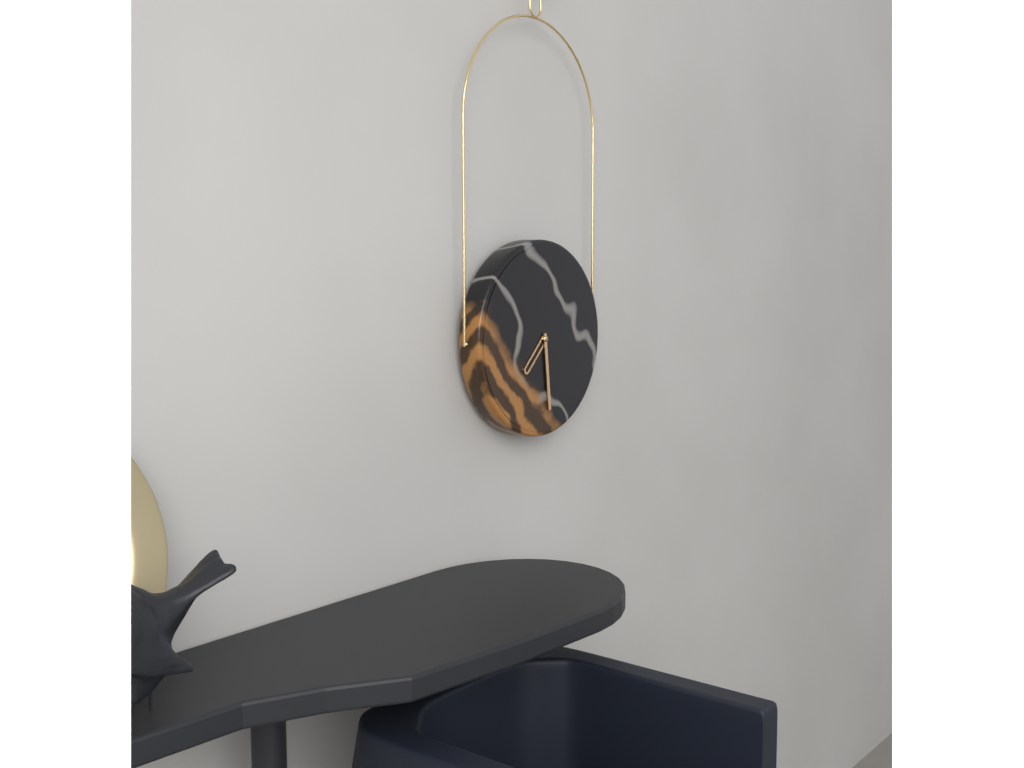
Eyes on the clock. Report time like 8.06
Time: 7.29
